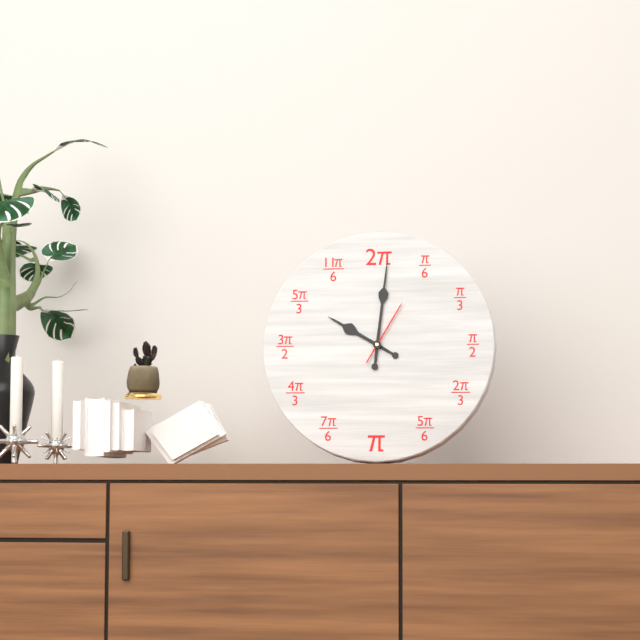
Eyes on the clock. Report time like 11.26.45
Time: 10.01.05
